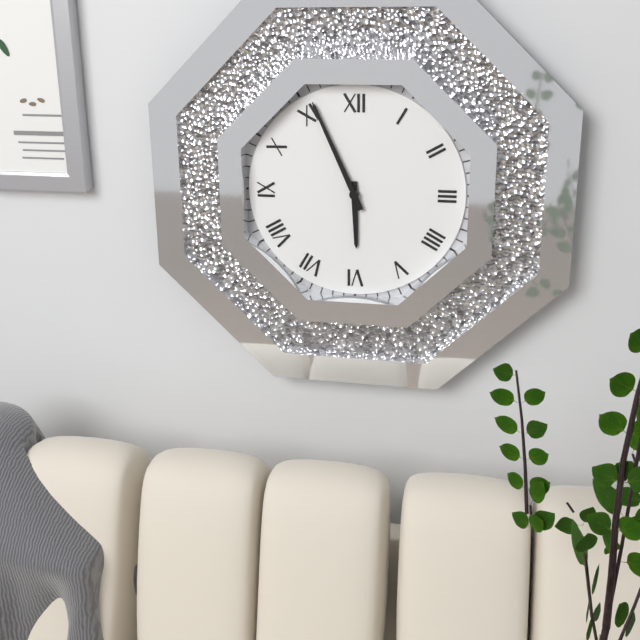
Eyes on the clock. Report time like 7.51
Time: 5.56
